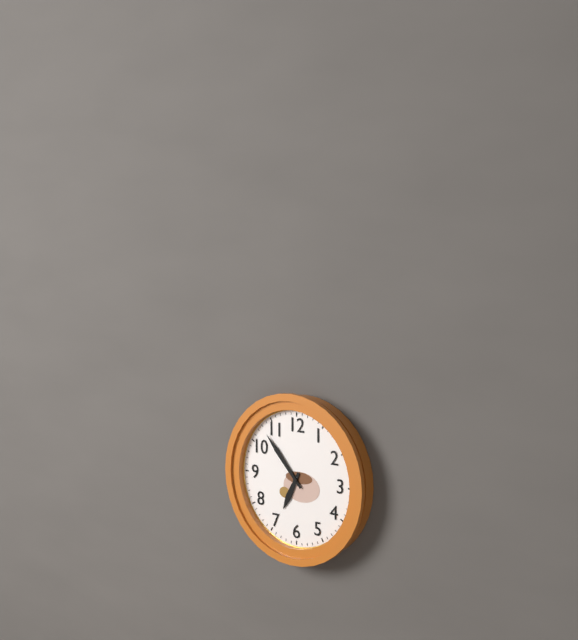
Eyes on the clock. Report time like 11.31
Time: 6.53
